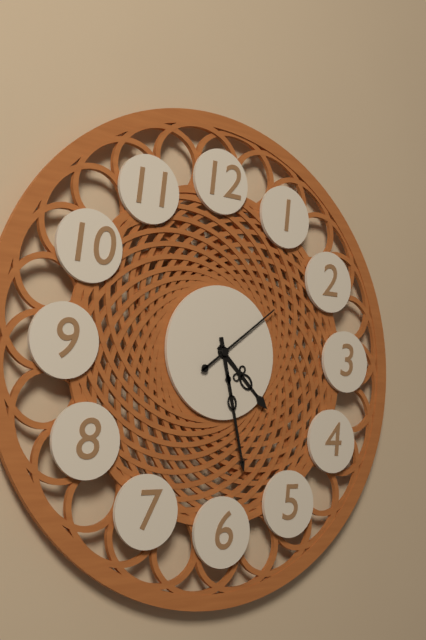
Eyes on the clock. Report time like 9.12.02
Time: 4.28.09
